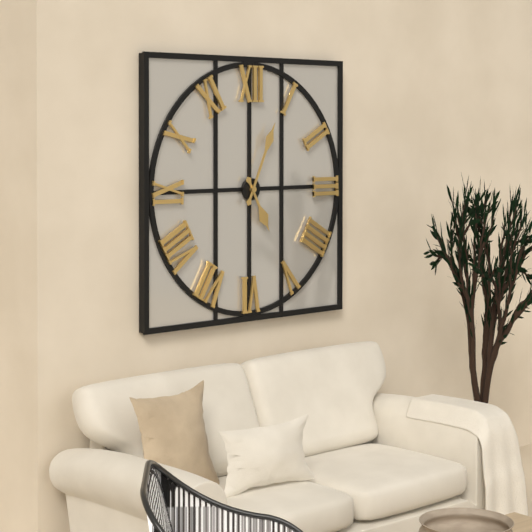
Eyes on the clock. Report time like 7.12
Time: 5.04
